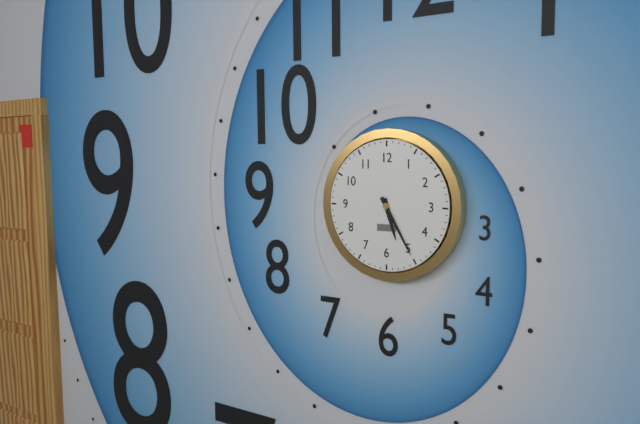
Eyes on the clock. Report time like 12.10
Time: 5.25
